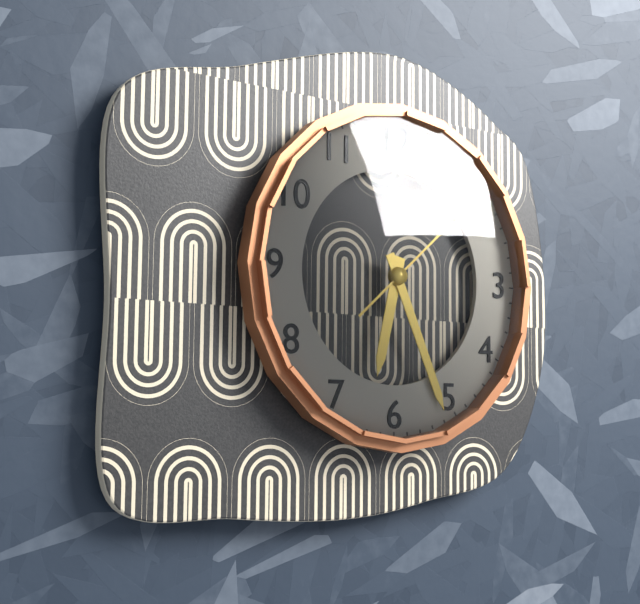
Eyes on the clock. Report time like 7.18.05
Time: 6.26.08
